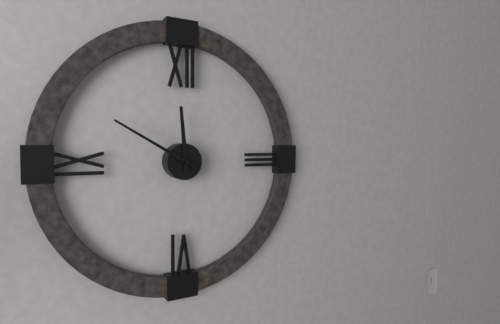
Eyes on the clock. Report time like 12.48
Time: 11.50
